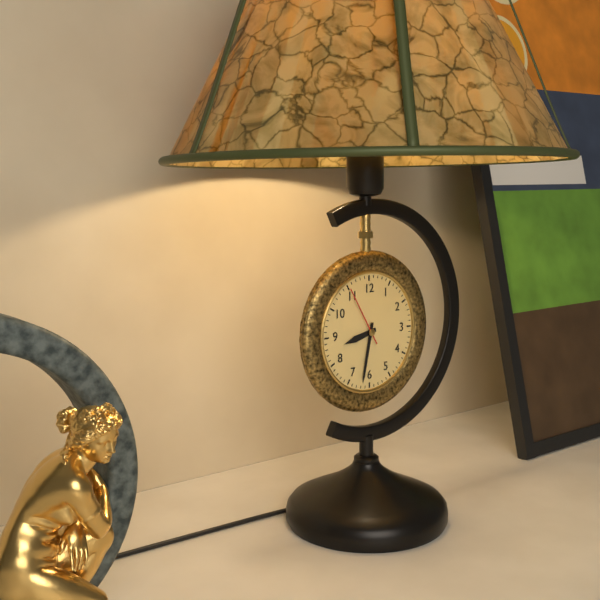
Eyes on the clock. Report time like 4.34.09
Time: 8.32.55
